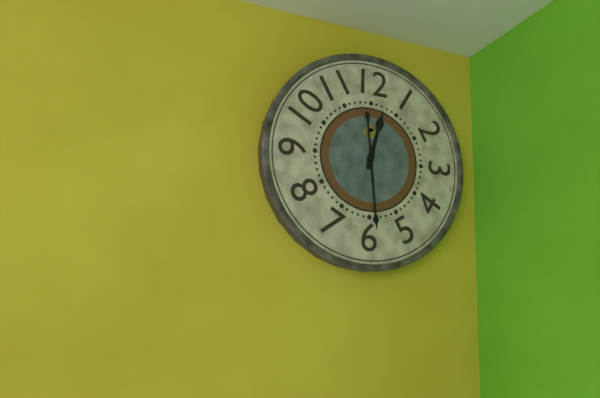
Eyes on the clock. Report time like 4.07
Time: 12.29
